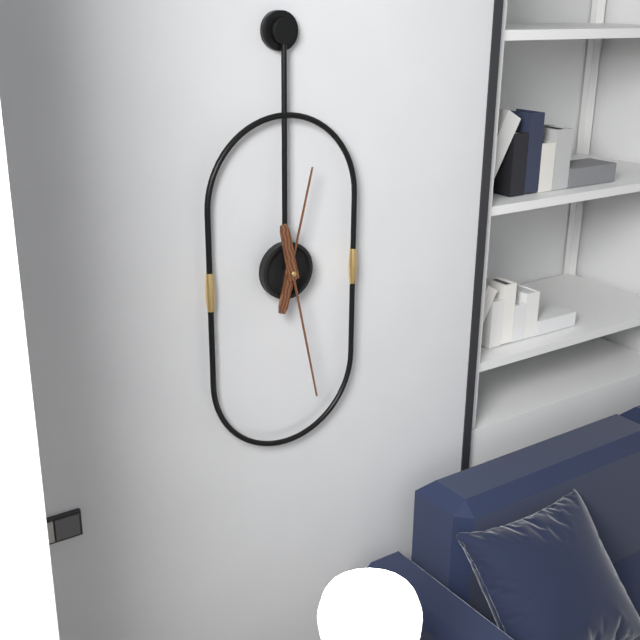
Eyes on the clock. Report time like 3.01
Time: 12.28
